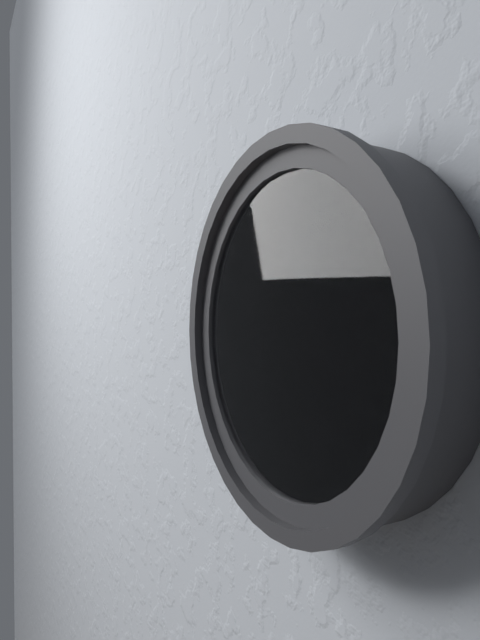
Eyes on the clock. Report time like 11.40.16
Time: 10.16.26
